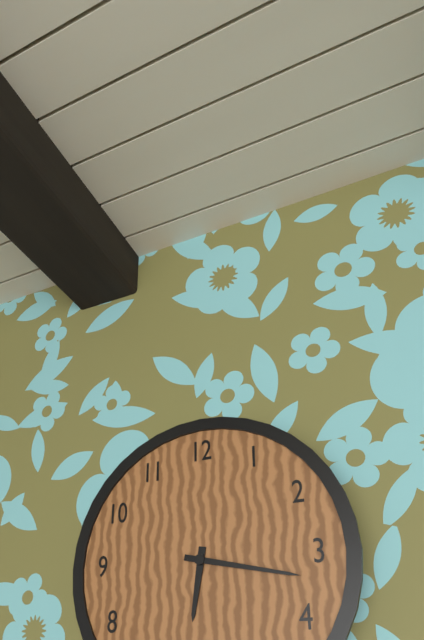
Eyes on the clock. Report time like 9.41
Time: 6.17
